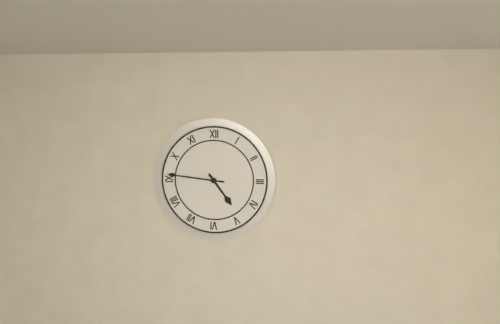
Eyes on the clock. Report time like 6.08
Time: 4.46
